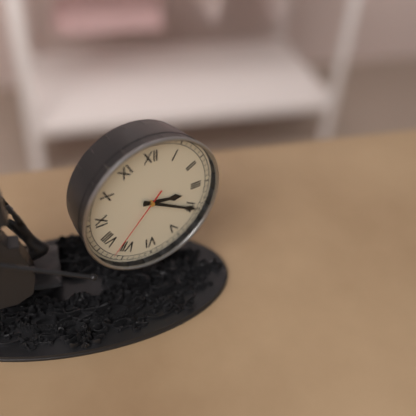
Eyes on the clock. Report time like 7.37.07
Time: 3.20.37
